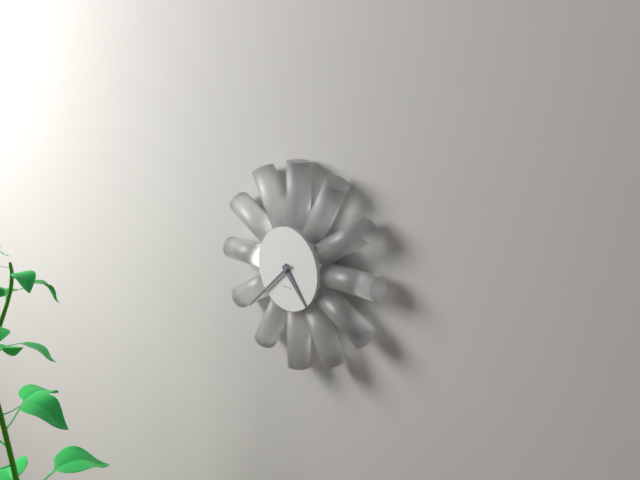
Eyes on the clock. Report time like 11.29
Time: 4.38
